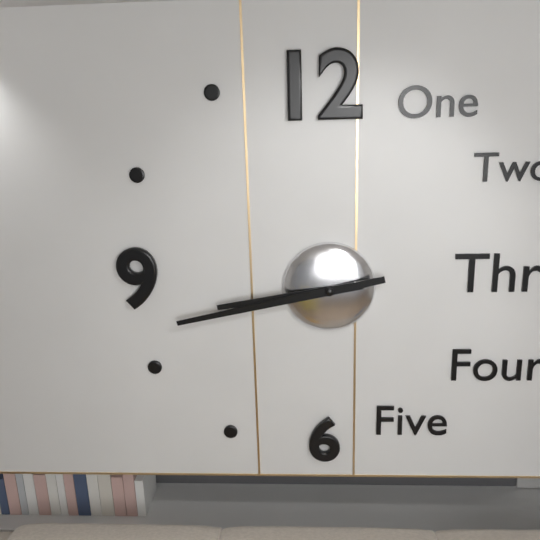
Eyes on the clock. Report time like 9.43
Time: 8.43
